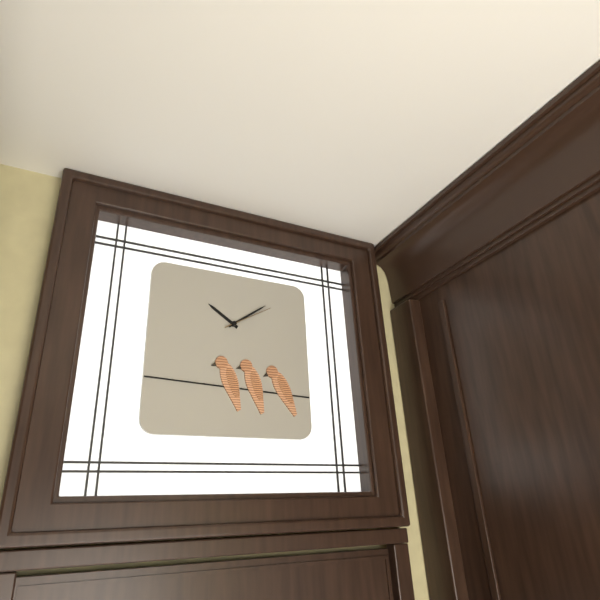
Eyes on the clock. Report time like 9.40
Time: 10.09
